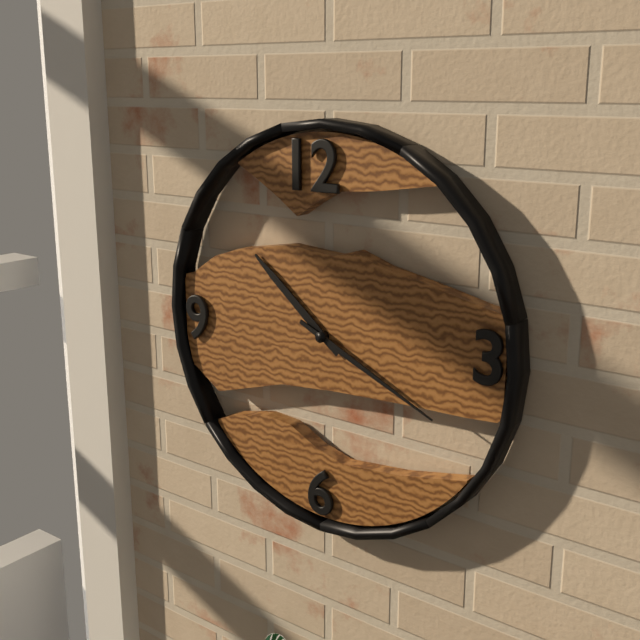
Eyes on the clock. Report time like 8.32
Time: 10.19
